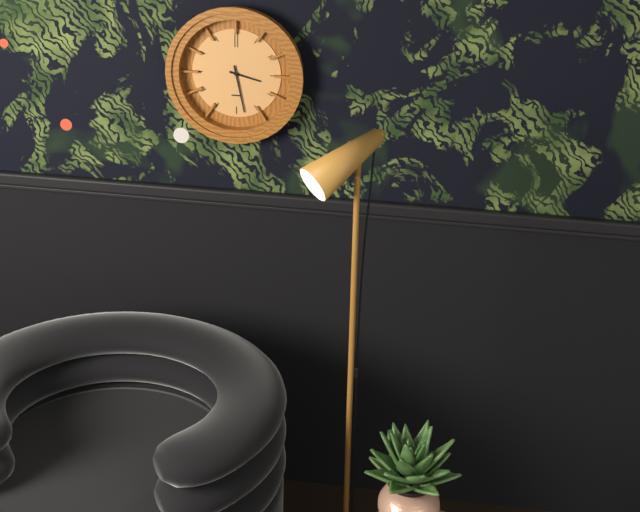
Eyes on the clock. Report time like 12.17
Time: 3.28
